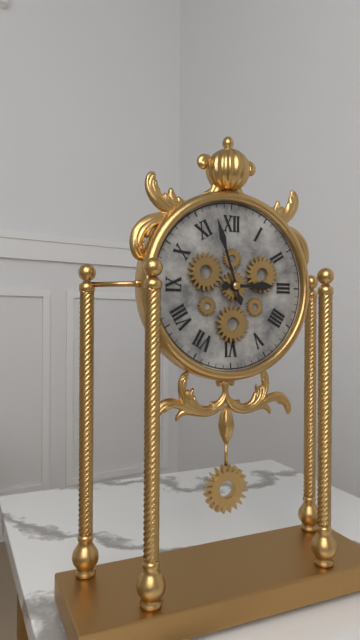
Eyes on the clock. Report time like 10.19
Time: 2.57
